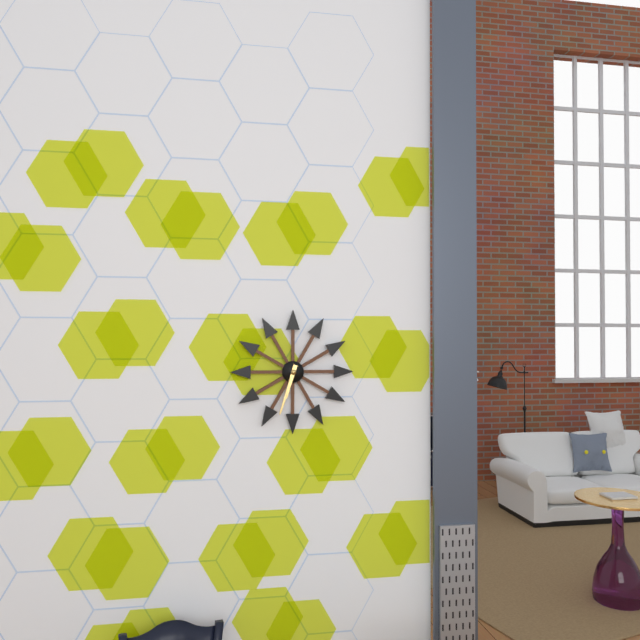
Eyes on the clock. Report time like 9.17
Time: 6.33
